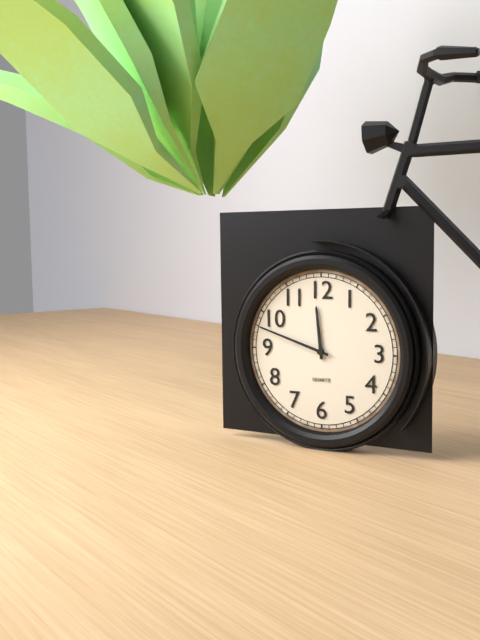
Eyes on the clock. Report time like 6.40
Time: 11.48
